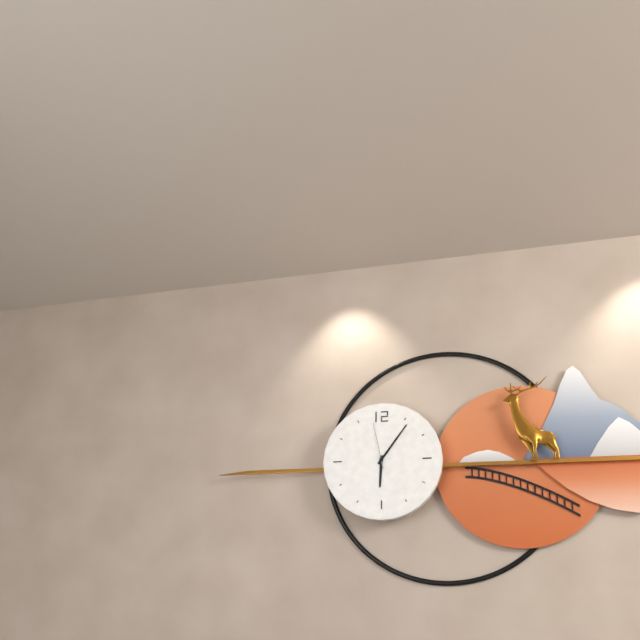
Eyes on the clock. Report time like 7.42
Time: 6.06
